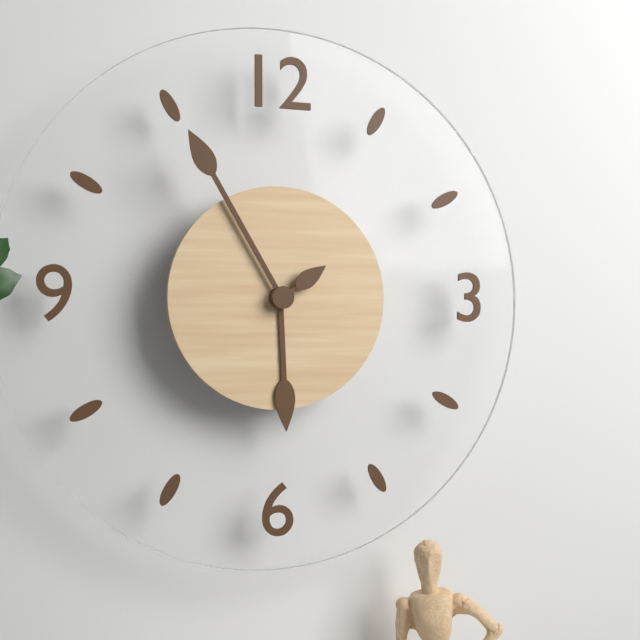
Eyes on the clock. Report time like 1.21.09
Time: 5.55.09
